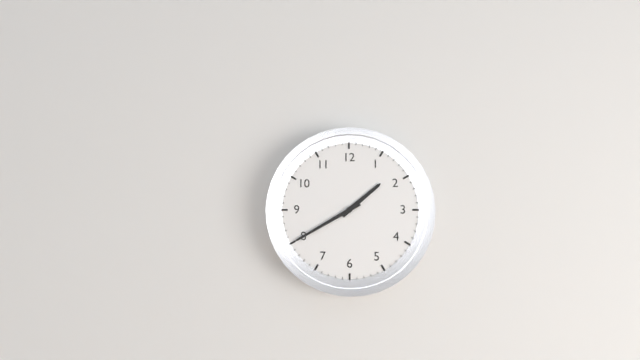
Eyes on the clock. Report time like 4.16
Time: 1.40
